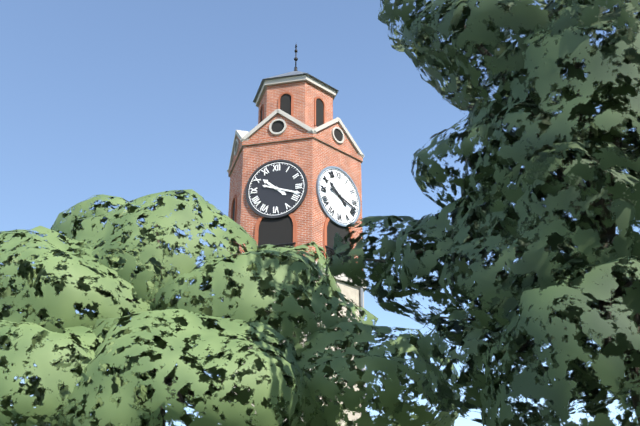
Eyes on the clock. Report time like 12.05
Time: 10.18
